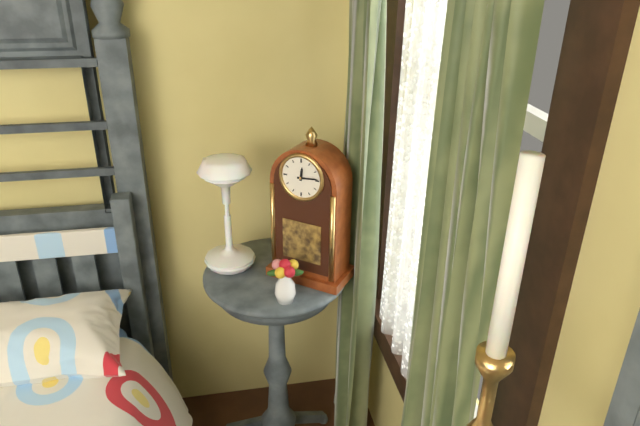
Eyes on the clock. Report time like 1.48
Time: 12.14
